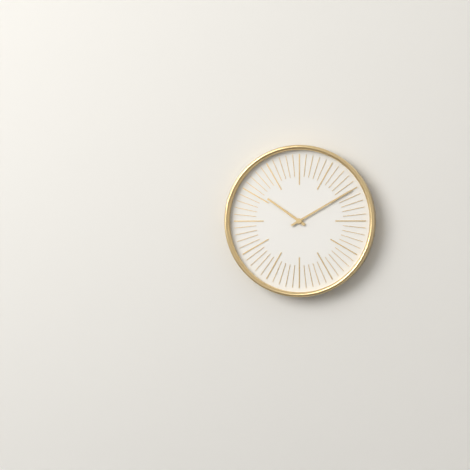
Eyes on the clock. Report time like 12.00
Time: 10.10
